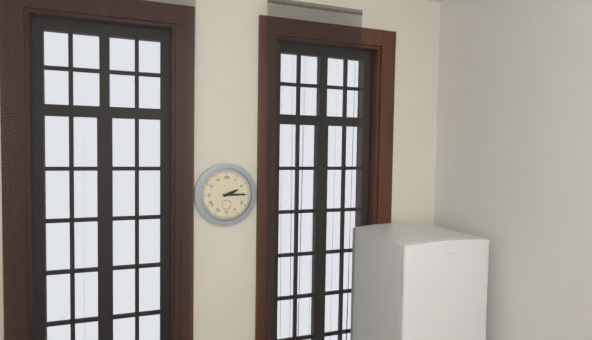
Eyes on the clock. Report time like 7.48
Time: 2.15
